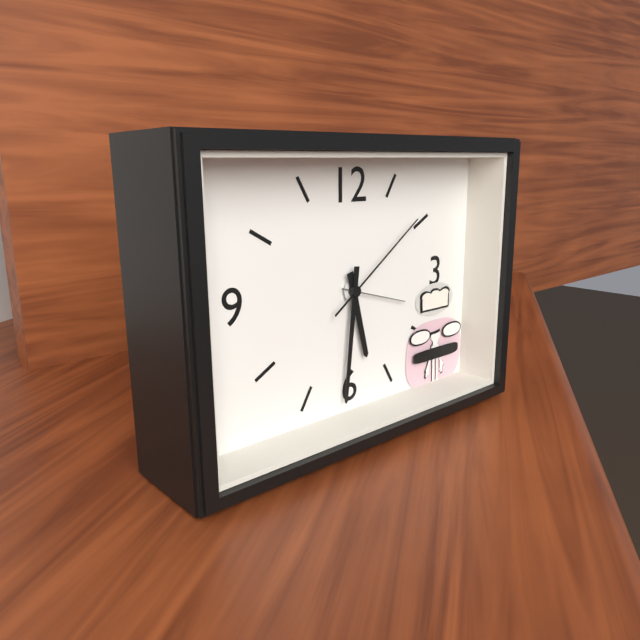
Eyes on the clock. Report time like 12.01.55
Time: 5.31.09
